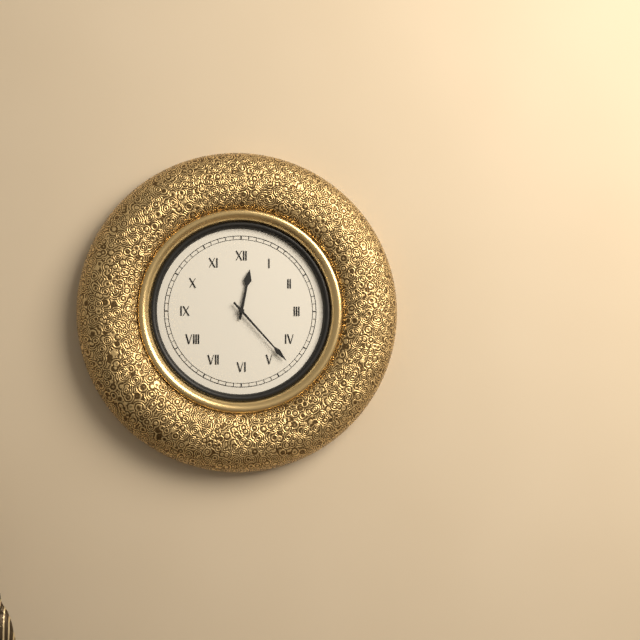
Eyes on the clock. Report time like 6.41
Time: 12.23
